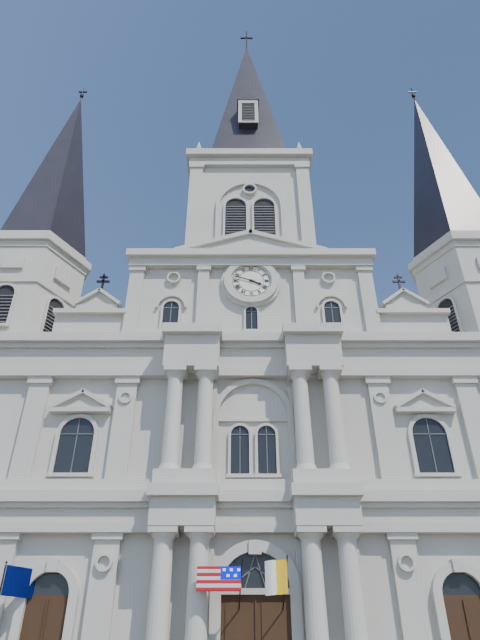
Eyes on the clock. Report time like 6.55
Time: 3.48
